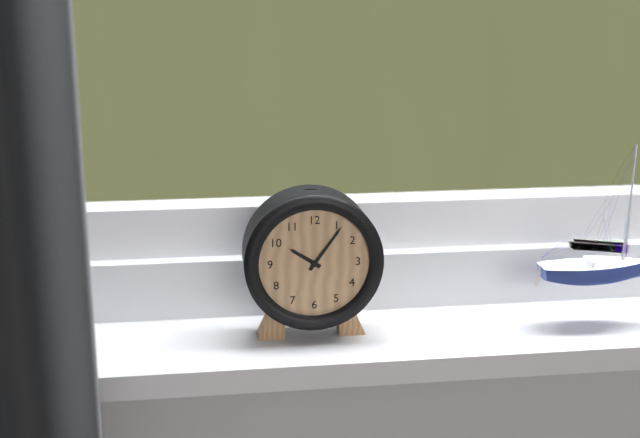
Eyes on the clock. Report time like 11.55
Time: 10.06
